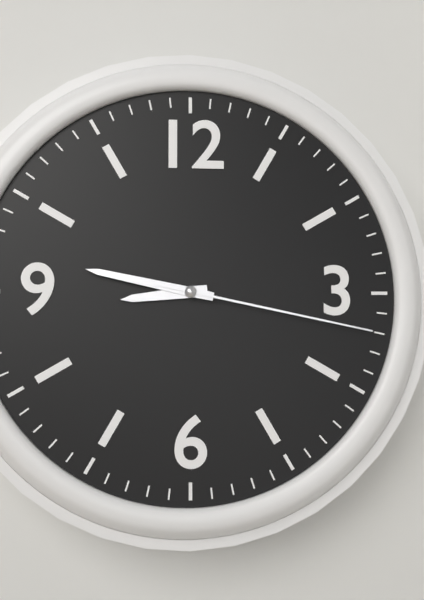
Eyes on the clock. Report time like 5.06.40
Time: 8.47.17
